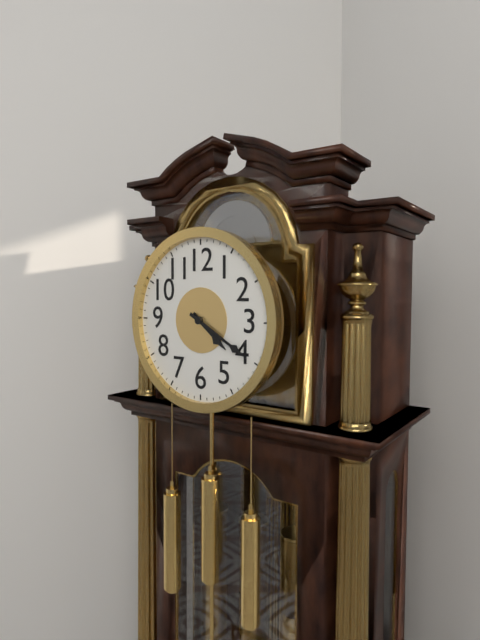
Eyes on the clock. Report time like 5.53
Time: 4.20
